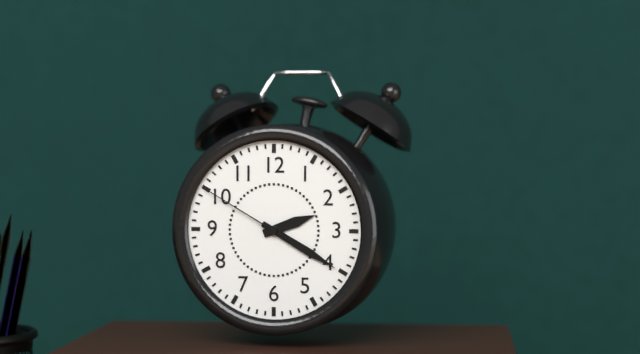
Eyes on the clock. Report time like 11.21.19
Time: 2.20.50
